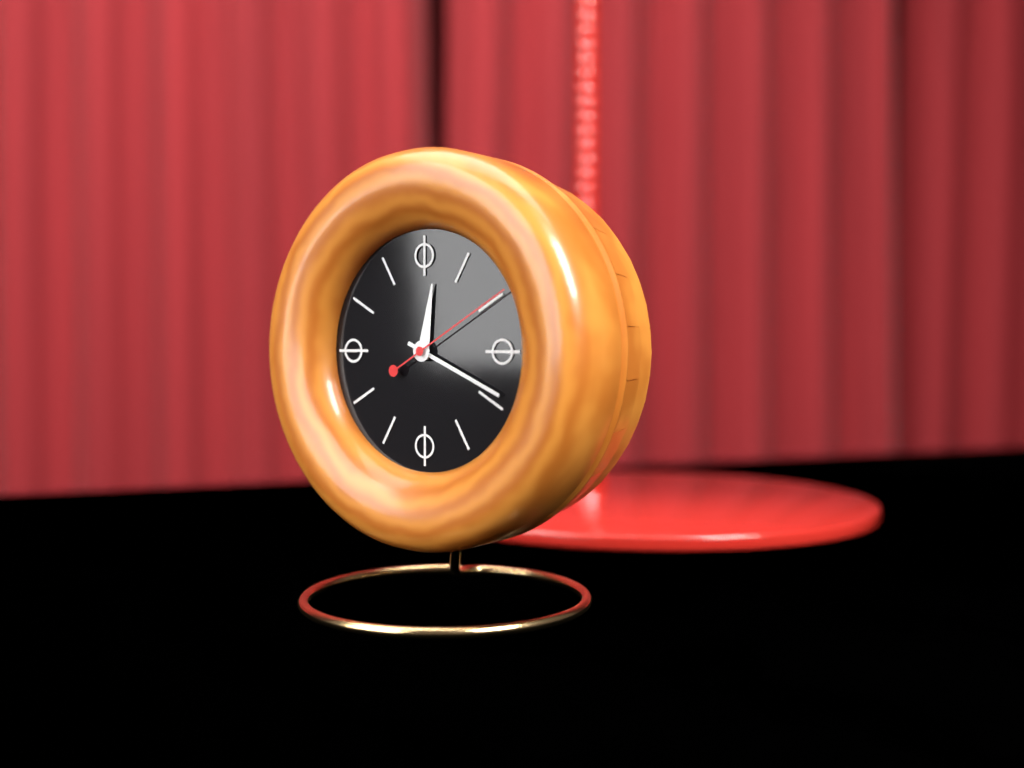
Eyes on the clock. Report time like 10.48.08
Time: 12.19.10
